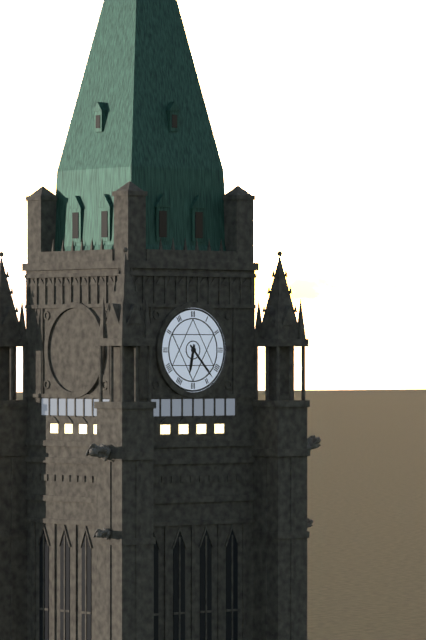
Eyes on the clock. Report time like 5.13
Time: 6.23
